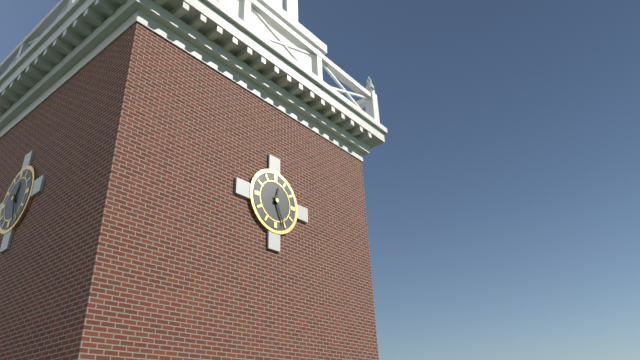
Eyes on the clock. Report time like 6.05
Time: 12.26
